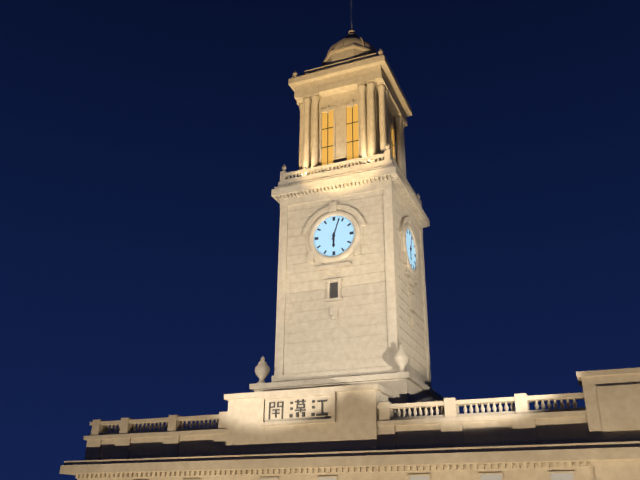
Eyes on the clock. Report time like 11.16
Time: 6.03
